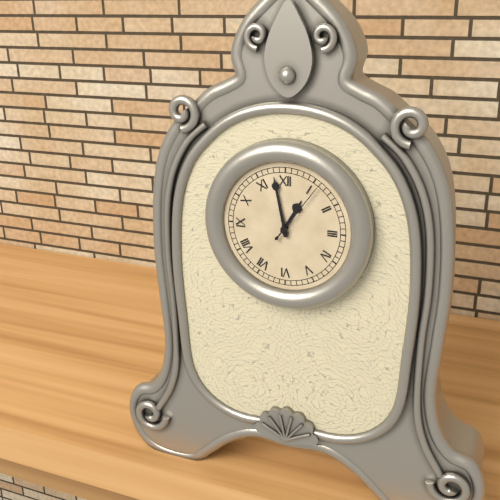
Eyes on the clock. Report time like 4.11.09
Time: 12.58.06
